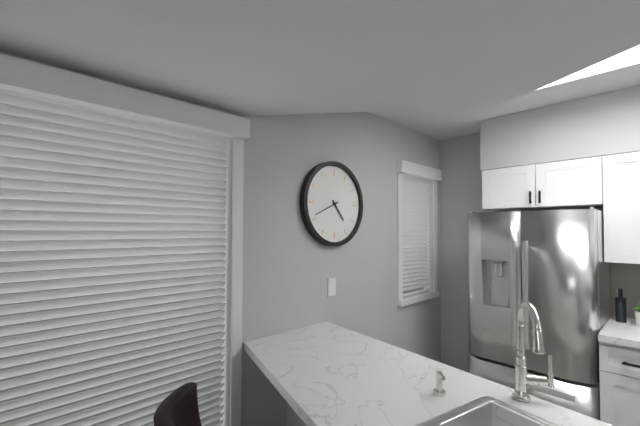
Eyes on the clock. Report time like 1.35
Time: 4.41
